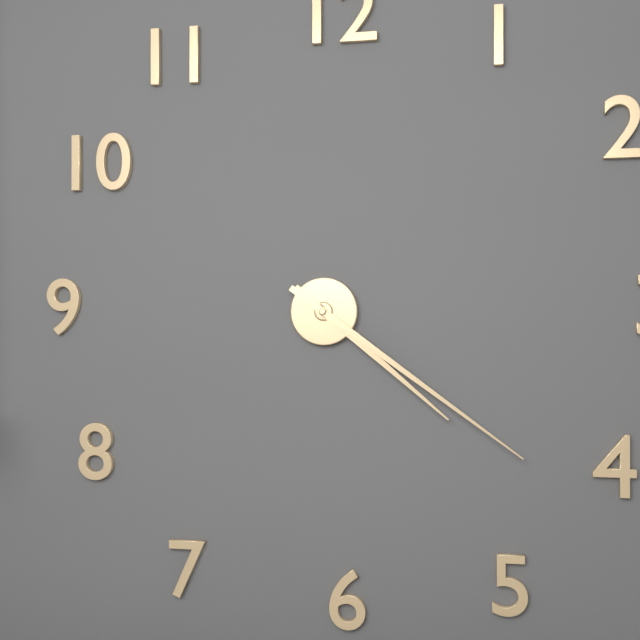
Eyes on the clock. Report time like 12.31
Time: 4.21
